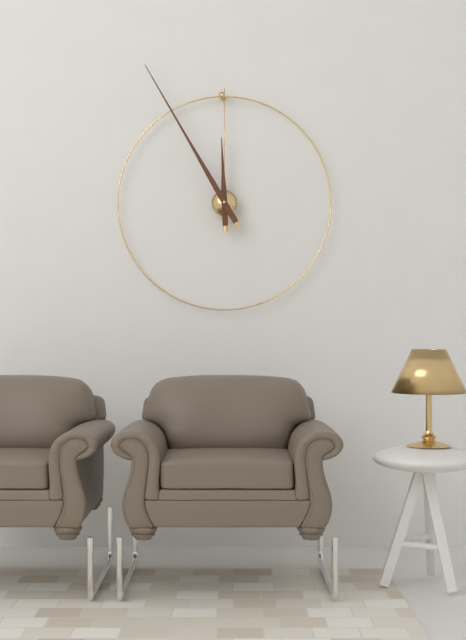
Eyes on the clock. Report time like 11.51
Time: 11.55
